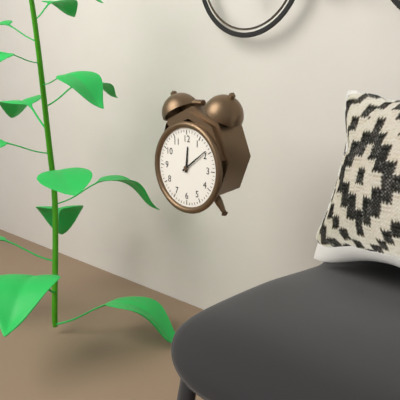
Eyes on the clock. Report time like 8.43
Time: 12.09
